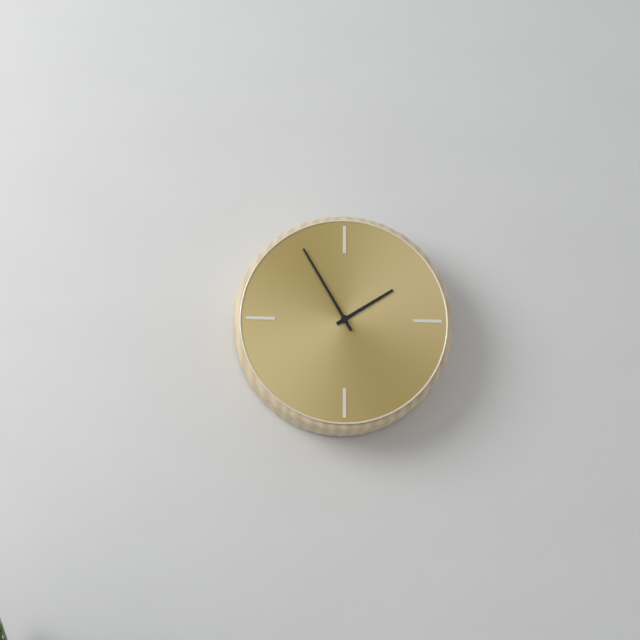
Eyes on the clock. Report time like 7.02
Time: 1.55
